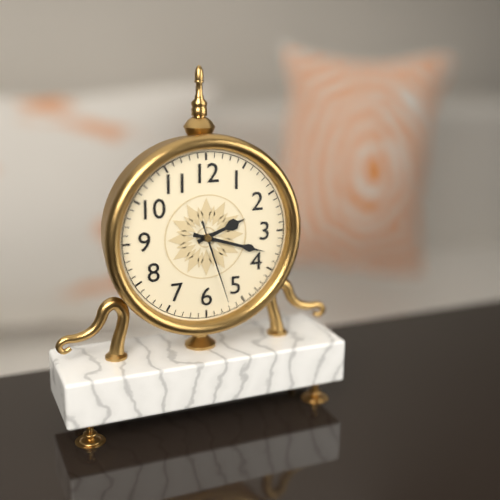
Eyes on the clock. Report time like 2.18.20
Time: 2.18.27
